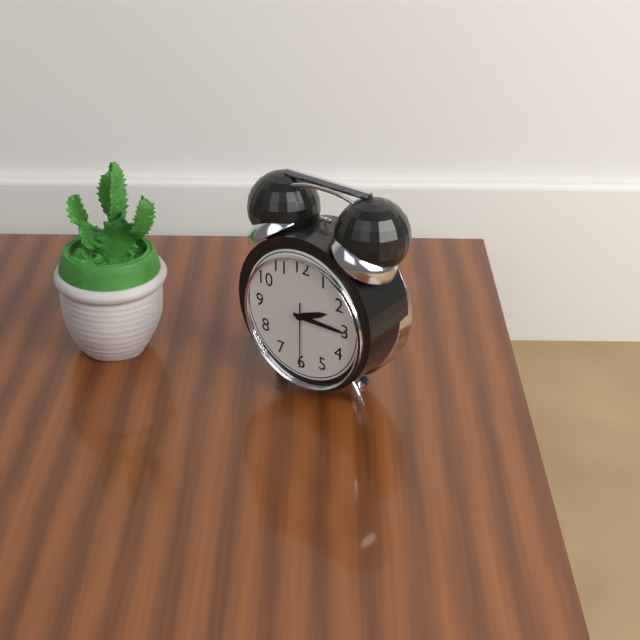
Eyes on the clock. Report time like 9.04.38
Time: 2.15.30
